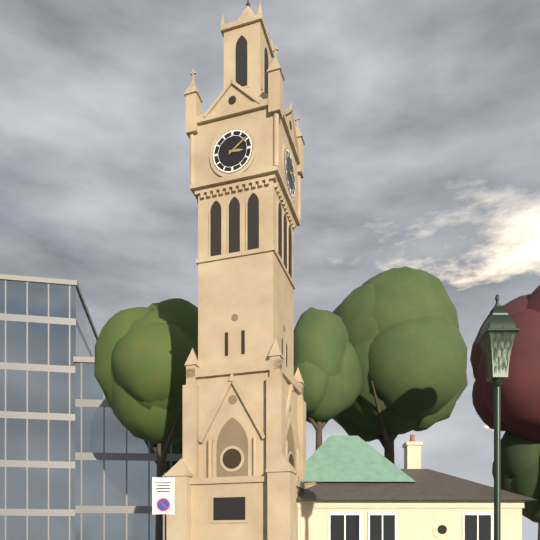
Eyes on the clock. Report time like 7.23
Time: 3.09
